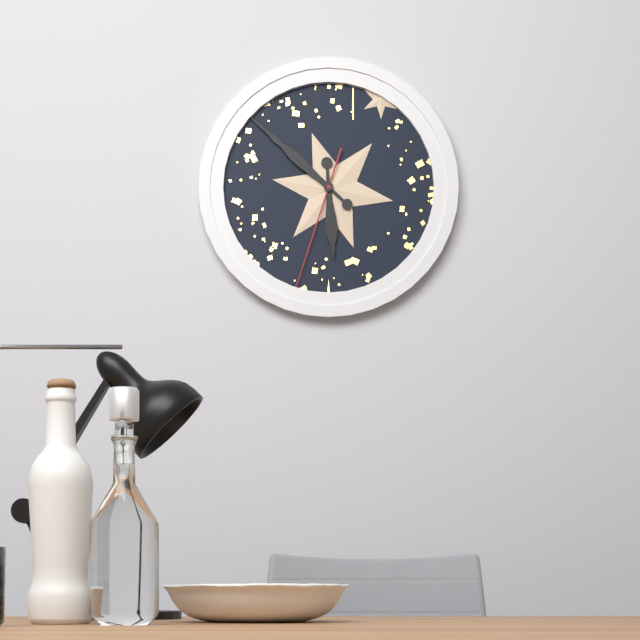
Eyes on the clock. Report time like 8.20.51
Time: 5.52.33
